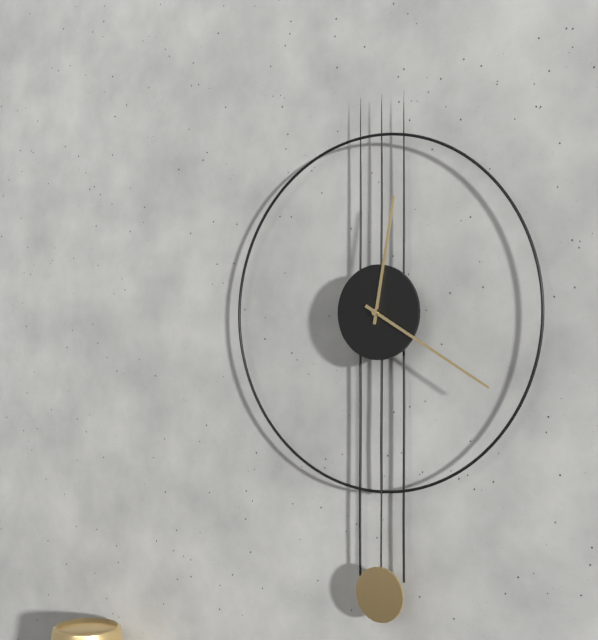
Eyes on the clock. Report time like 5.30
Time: 12.20
